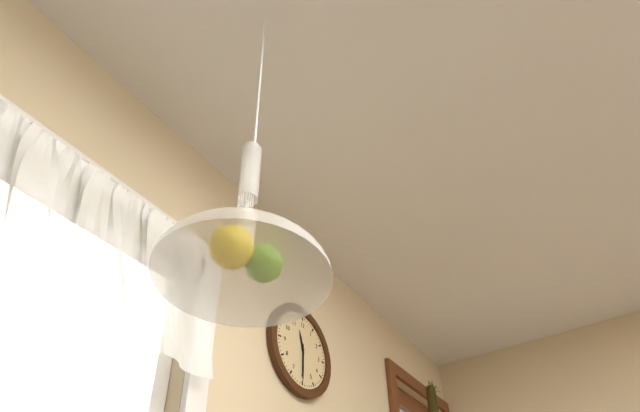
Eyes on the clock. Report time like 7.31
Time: 11.30
